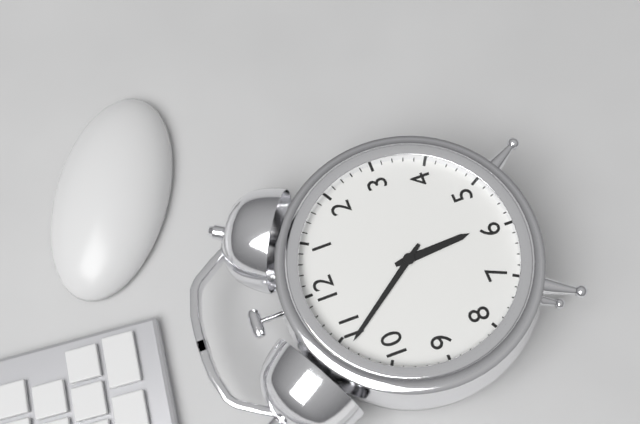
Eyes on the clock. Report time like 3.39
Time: 5.54
